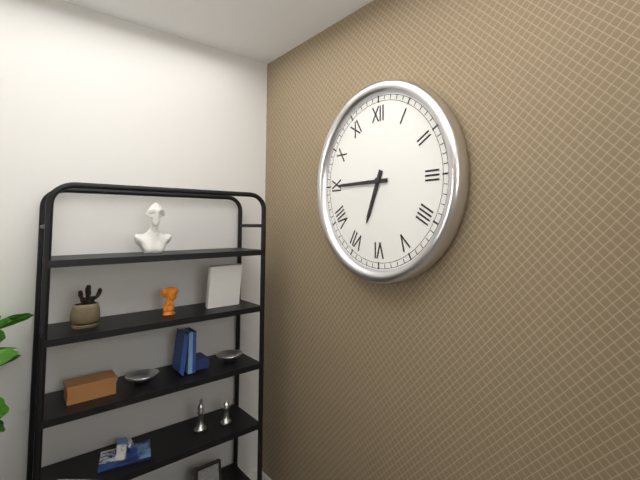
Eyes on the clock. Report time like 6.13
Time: 6.45
